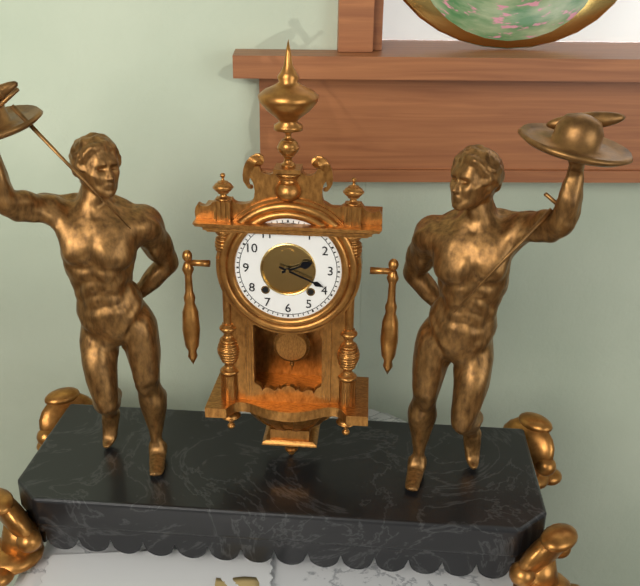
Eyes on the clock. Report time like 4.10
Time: 2.19
